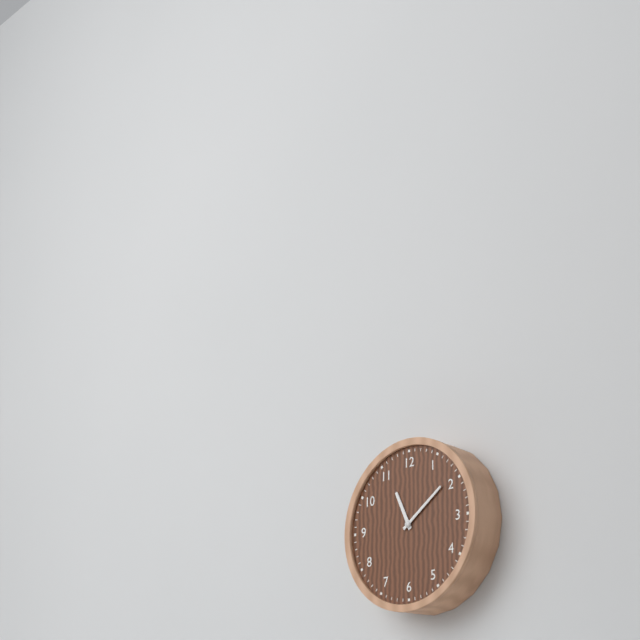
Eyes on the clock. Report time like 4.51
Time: 11.09
